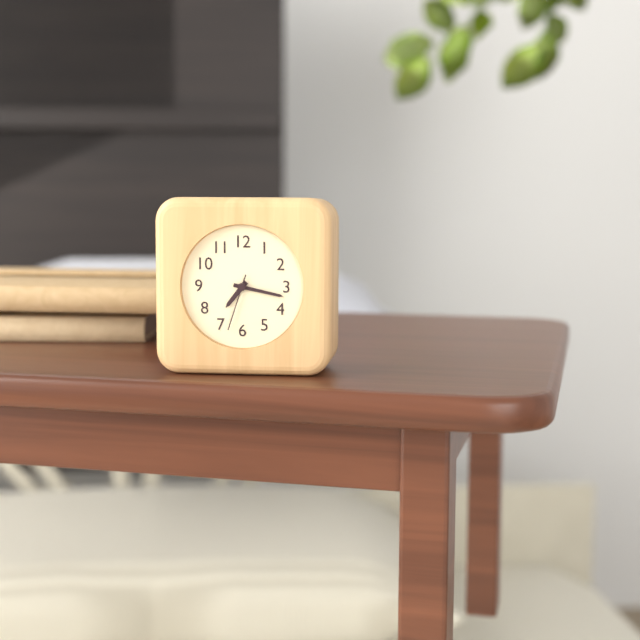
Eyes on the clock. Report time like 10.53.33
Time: 7.17.33
